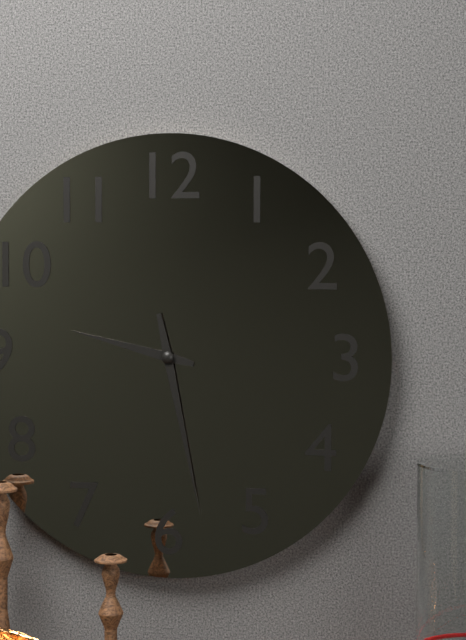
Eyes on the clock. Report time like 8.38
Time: 9.28
